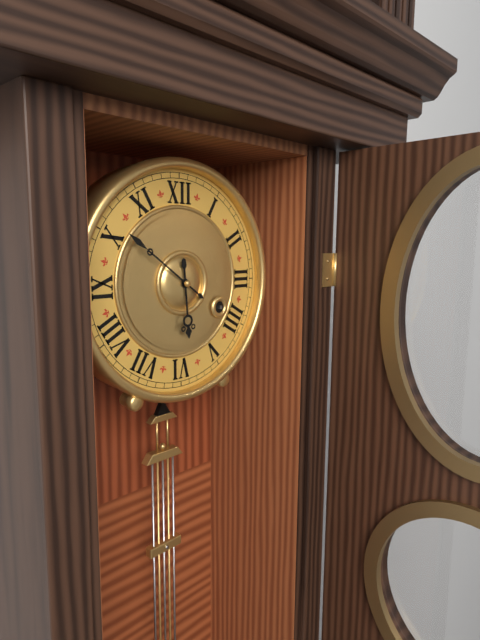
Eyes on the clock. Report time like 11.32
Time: 5.51
